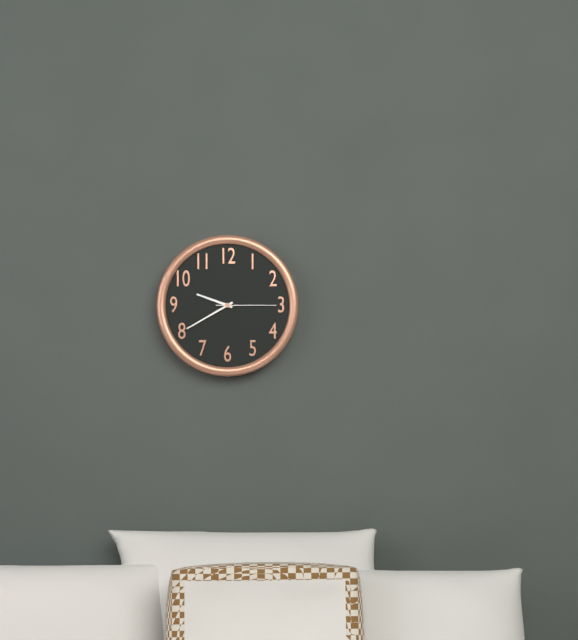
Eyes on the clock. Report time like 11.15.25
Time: 9.40.15
